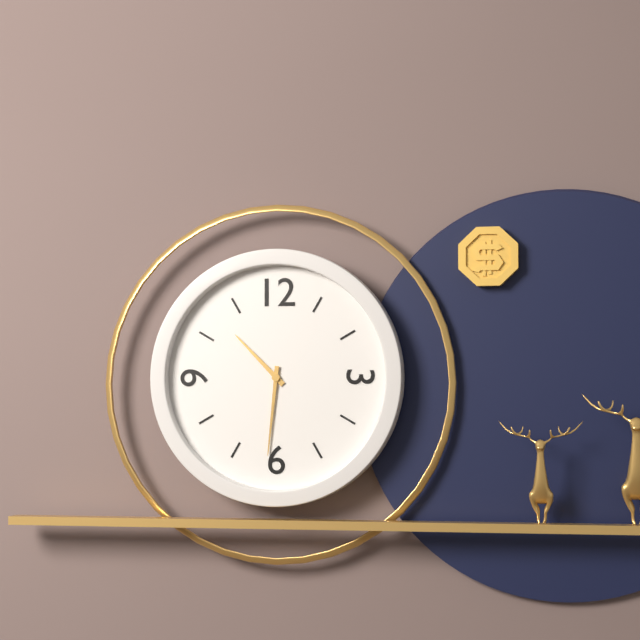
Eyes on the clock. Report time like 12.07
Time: 10.31
